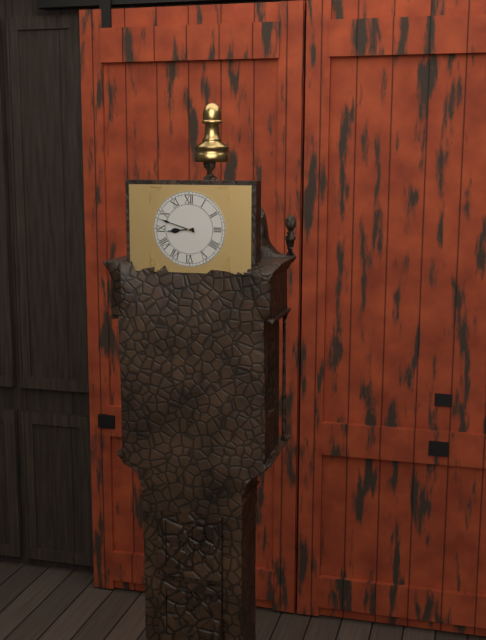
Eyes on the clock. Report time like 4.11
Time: 8.48
